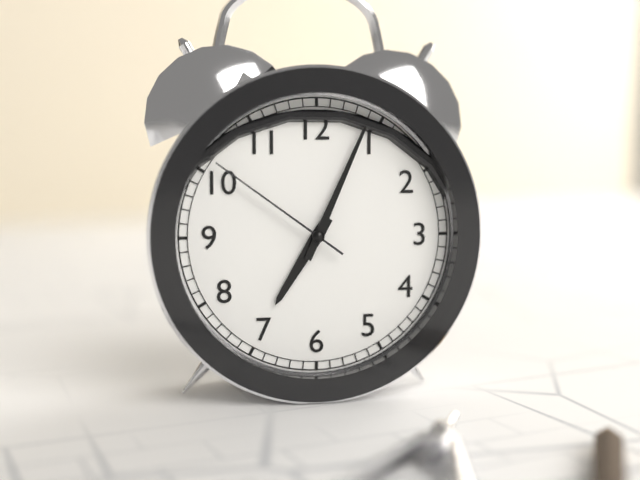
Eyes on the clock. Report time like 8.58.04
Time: 7.04.51
